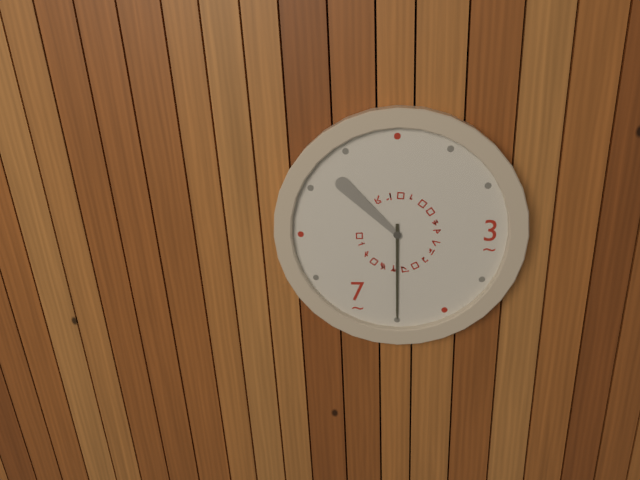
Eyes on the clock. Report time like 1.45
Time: 10.30
